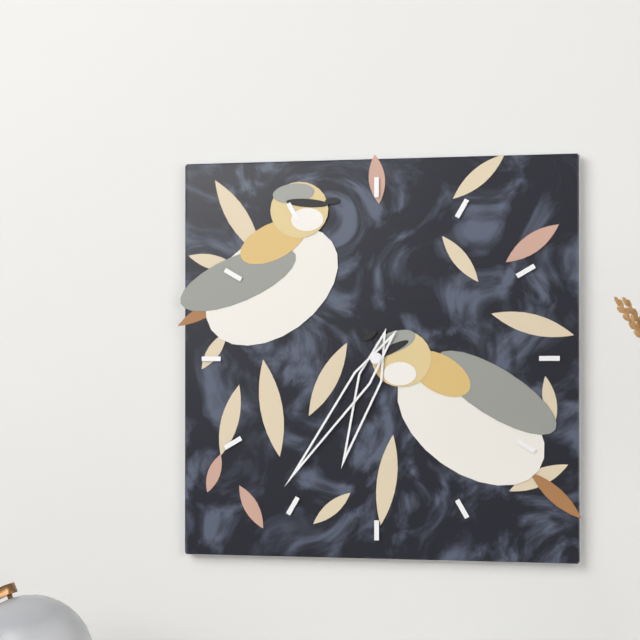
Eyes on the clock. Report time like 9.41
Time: 6.36
